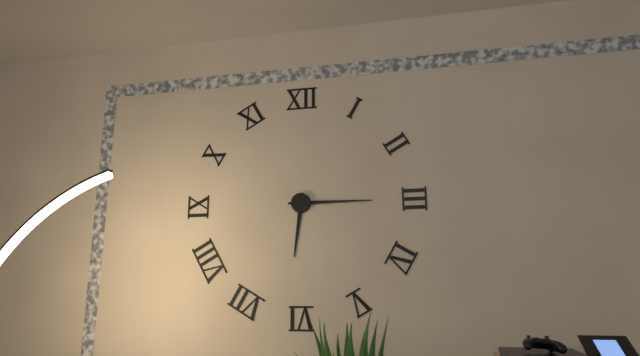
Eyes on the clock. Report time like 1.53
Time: 6.15
